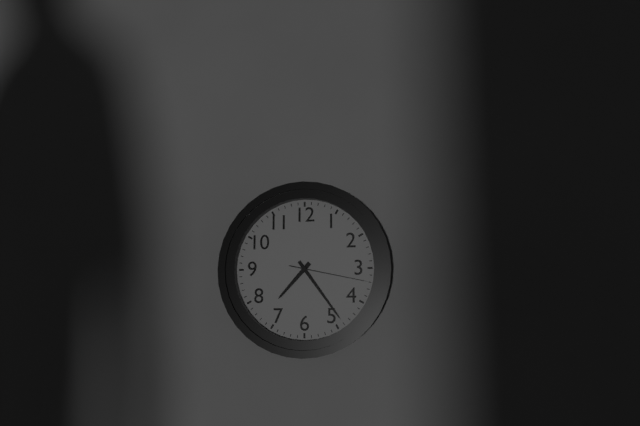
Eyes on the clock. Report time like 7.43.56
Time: 7.24.17
